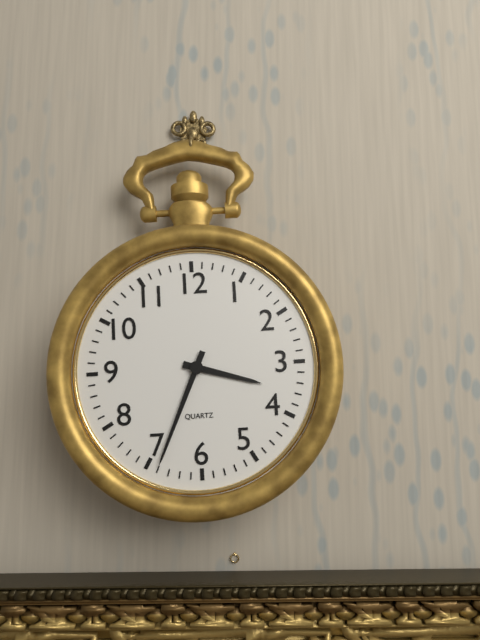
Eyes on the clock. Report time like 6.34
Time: 3.34
